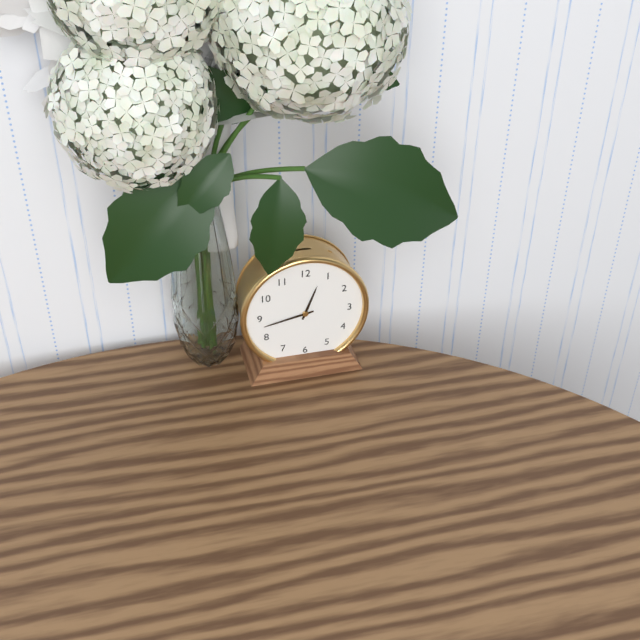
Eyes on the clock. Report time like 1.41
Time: 12.43
